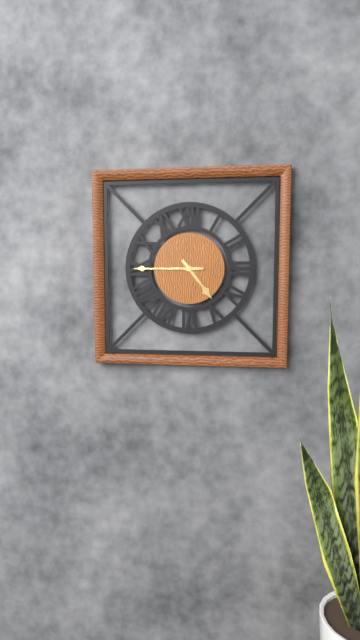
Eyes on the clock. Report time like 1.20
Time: 4.45
